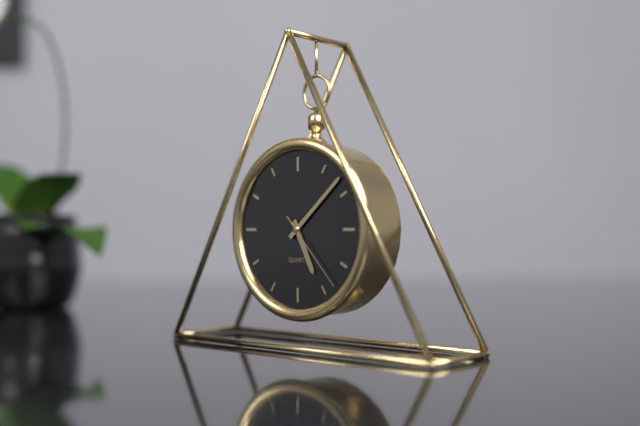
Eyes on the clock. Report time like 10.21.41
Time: 5.08.23
